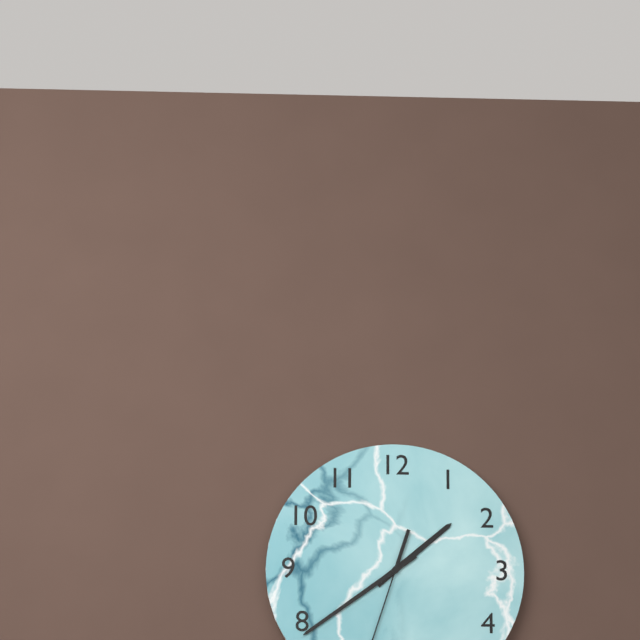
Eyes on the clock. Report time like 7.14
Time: 1.39
